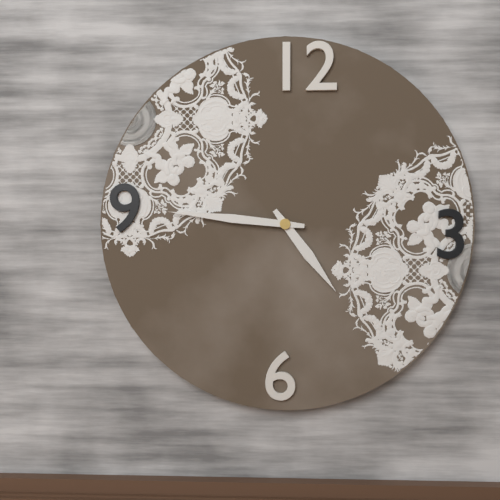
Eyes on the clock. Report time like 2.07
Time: 4.46
